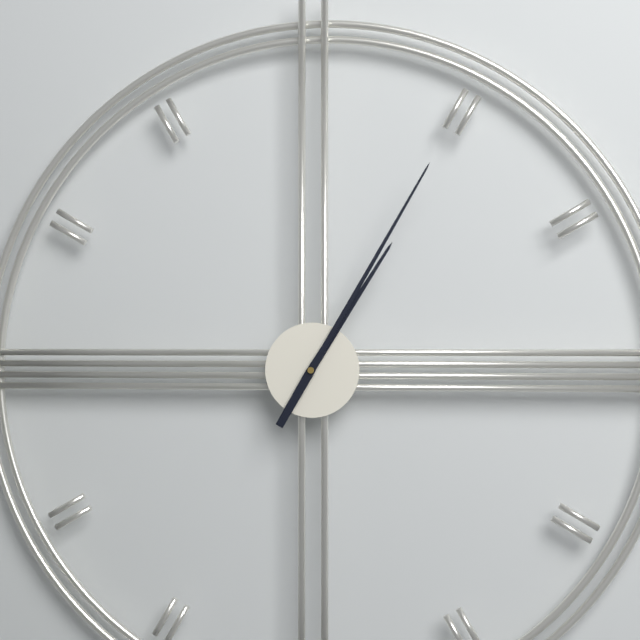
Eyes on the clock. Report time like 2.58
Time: 1.05
